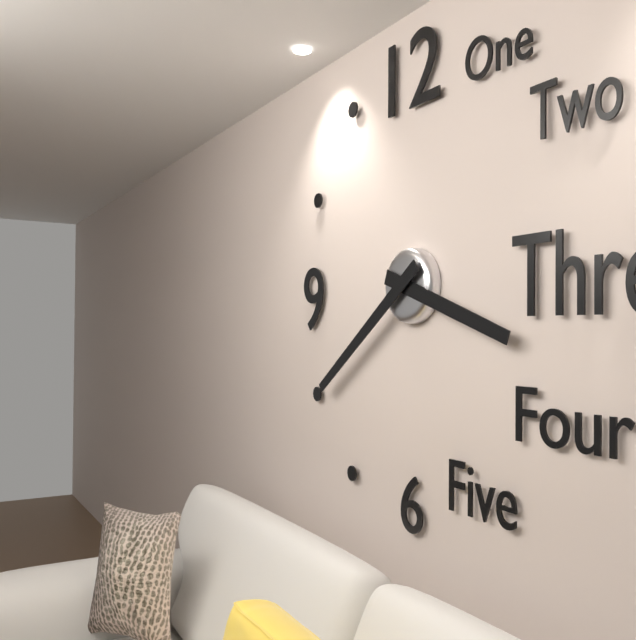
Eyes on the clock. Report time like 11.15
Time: 3.39
